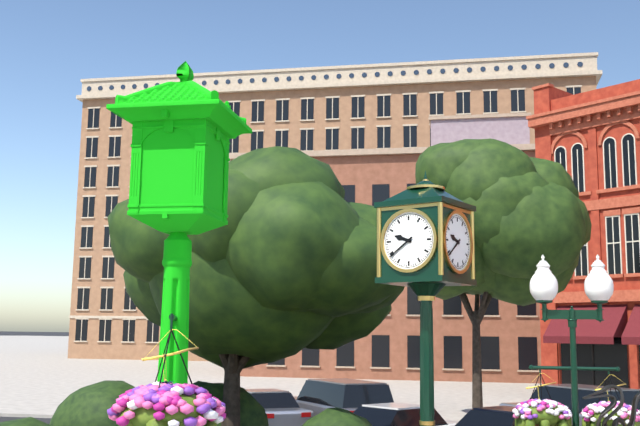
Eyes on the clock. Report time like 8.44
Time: 9.39
